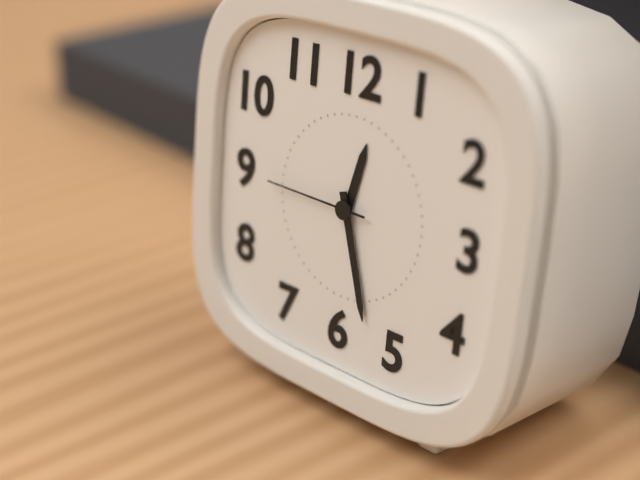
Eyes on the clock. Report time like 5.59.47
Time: 12.27.45
